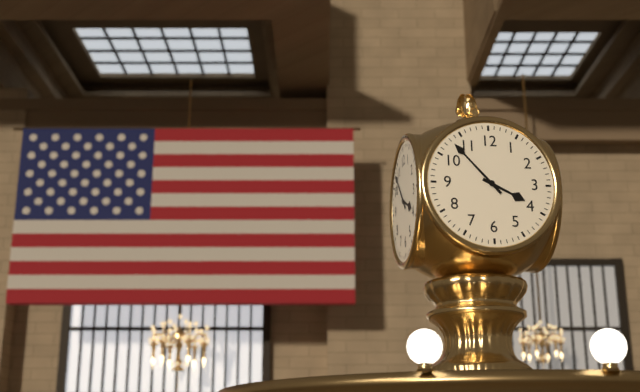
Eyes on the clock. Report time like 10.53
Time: 3.53
